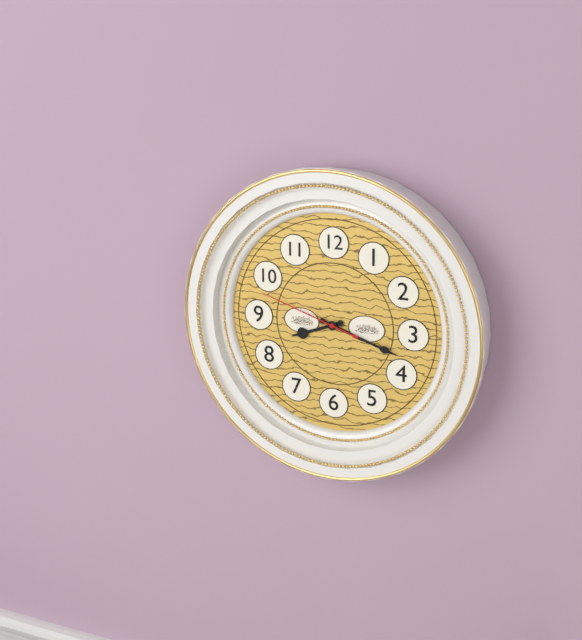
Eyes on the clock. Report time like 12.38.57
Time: 8.18.48
